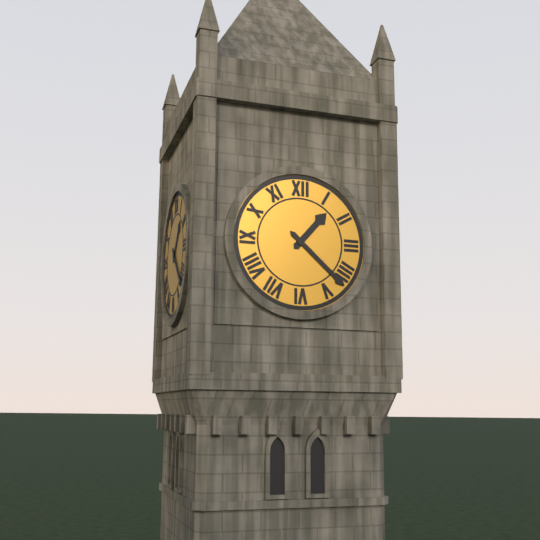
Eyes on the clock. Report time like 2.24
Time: 1.22
